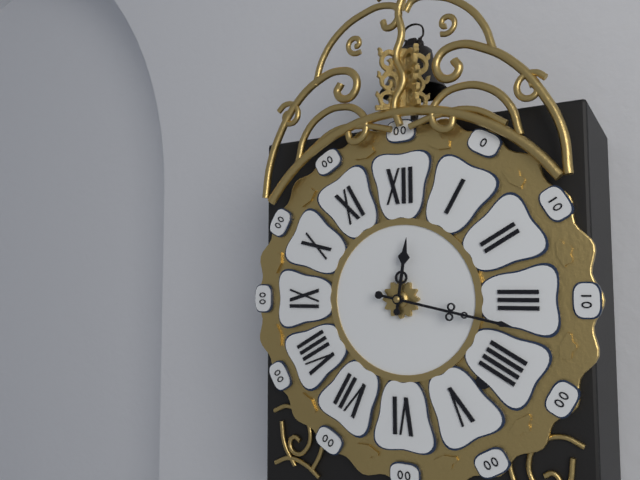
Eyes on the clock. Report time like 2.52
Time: 12.17
